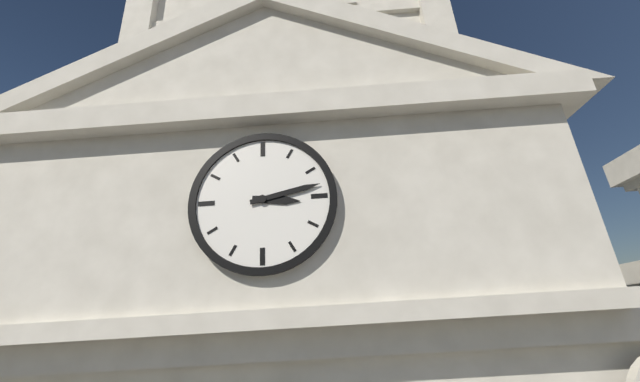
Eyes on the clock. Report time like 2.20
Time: 3.13
